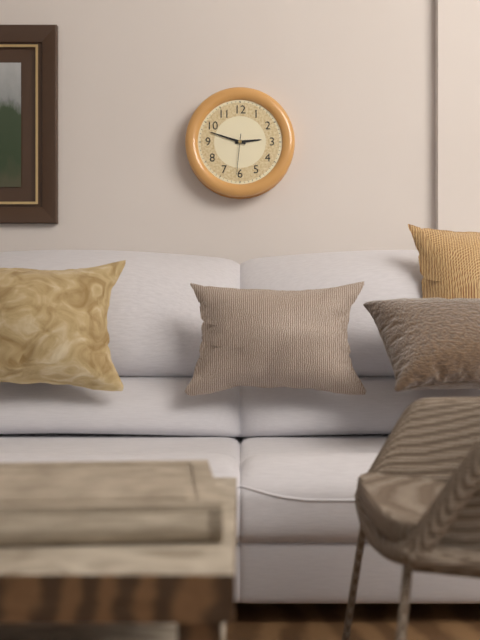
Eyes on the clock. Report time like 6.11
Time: 2.48
